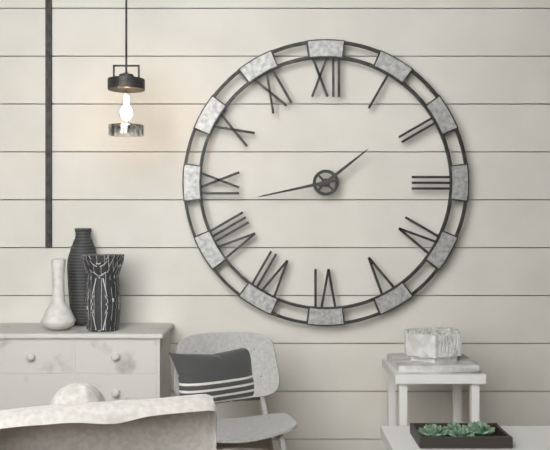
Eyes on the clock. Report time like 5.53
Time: 1.43
